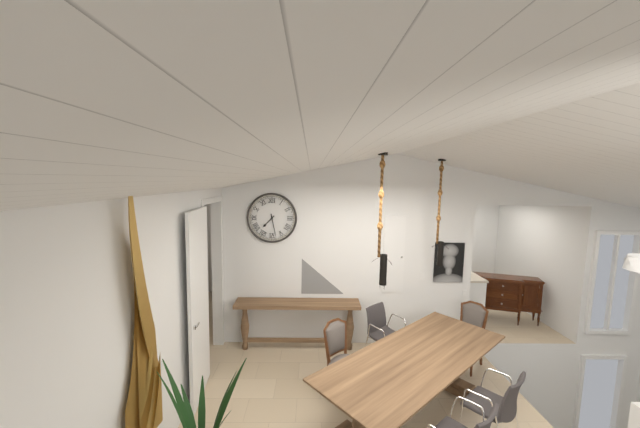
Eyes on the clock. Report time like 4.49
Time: 7.28
